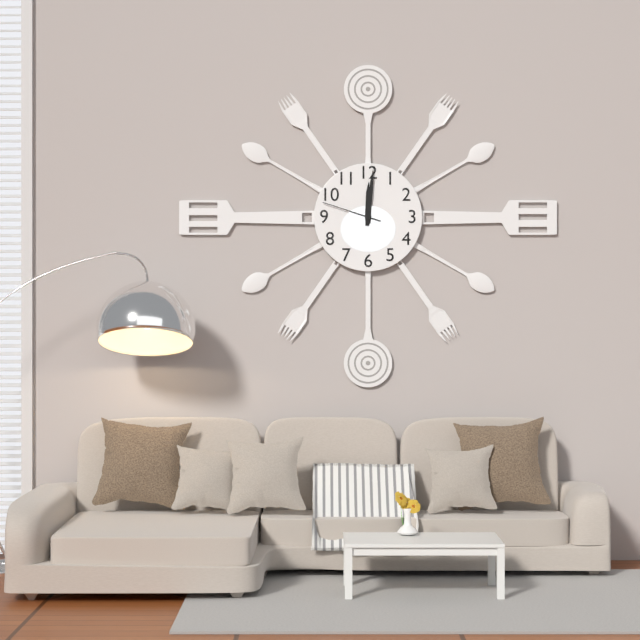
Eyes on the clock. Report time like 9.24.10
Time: 12.01.48
